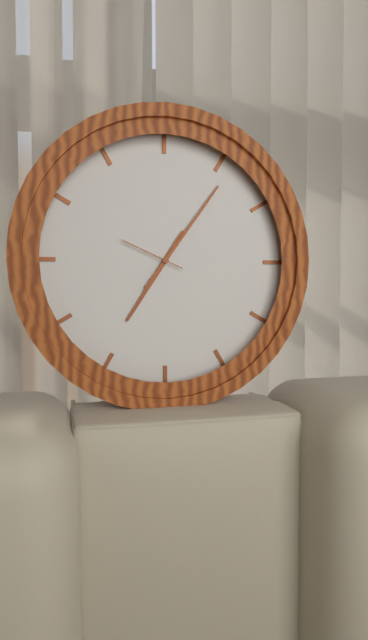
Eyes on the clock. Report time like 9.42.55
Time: 7.06.49
